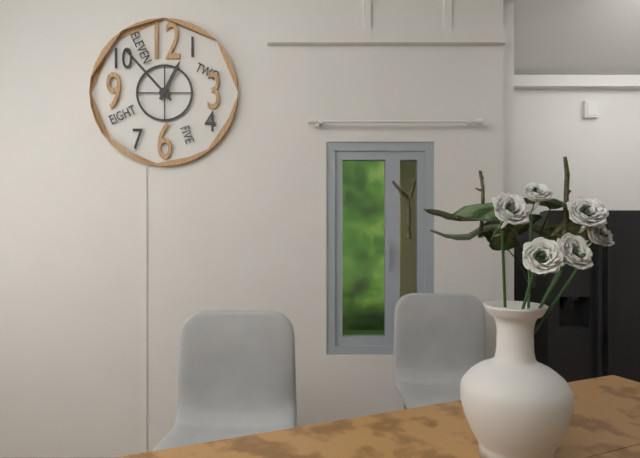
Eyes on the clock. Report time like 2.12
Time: 12.53
